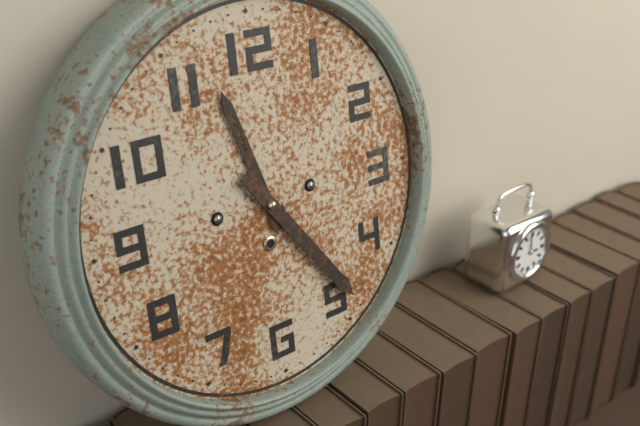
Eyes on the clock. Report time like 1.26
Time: 11.24
